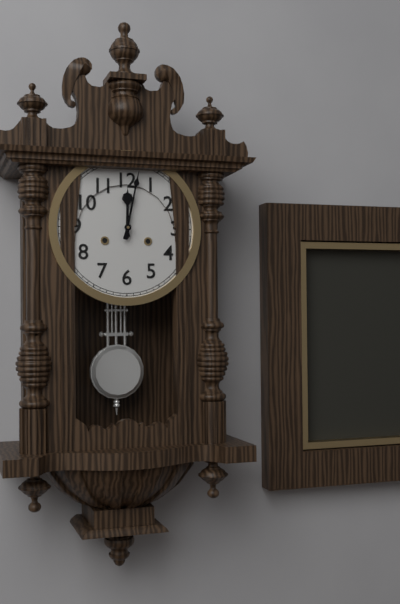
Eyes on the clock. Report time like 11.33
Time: 12.02
